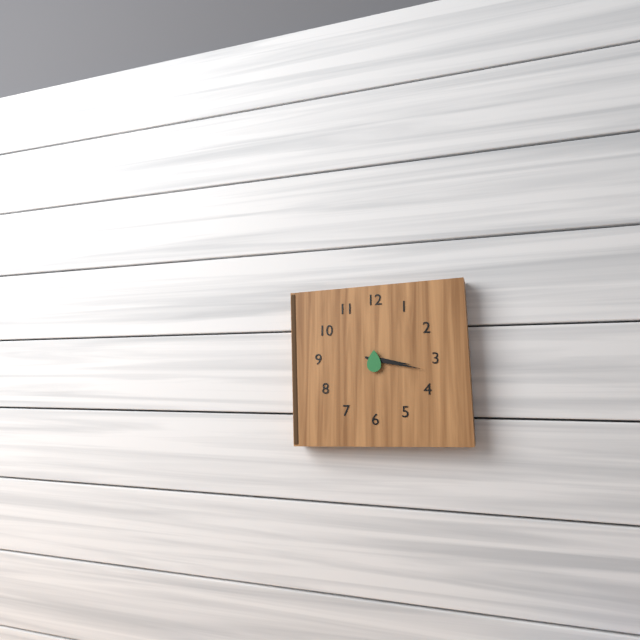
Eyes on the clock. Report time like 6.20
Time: 3.17
